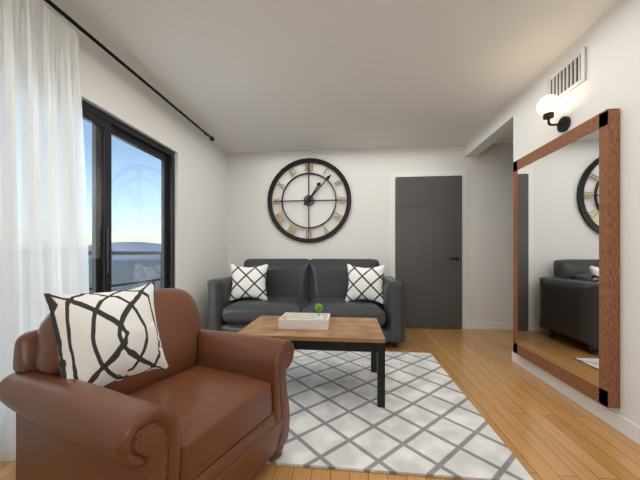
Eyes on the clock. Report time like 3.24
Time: 1.07
